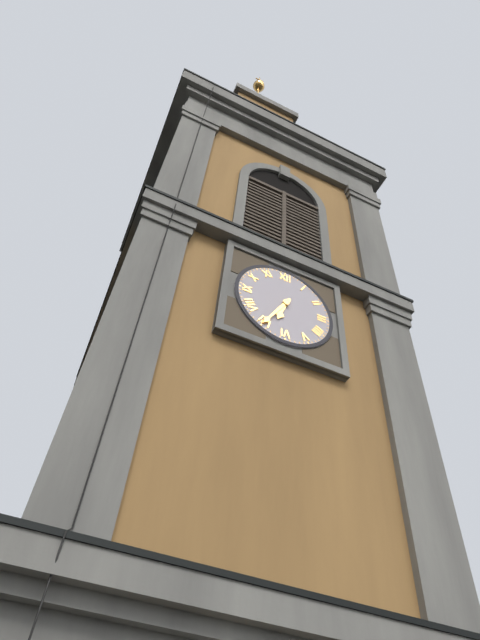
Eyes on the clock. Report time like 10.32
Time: 6.35
